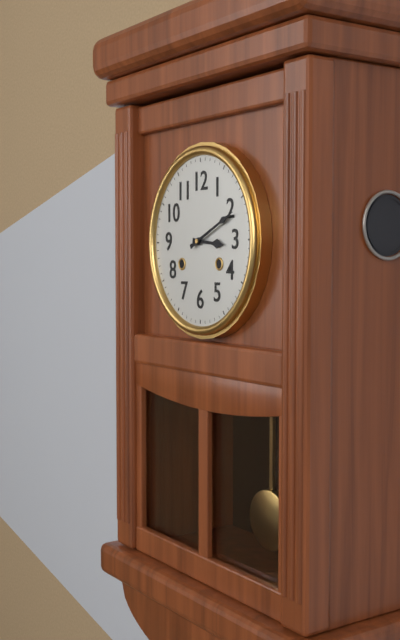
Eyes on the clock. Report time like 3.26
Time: 3.11
